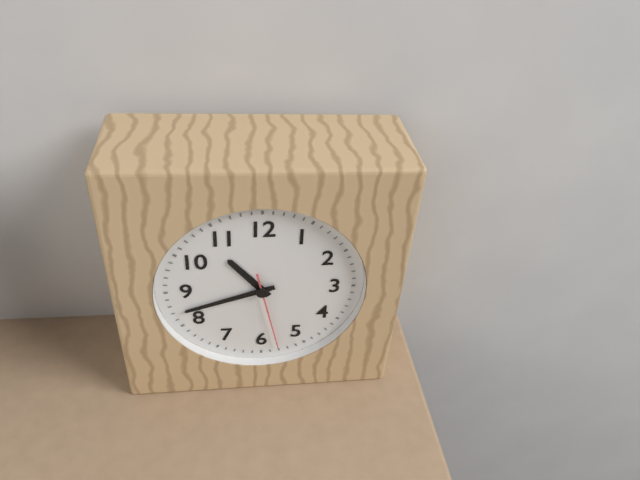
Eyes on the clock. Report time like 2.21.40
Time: 10.42.28
